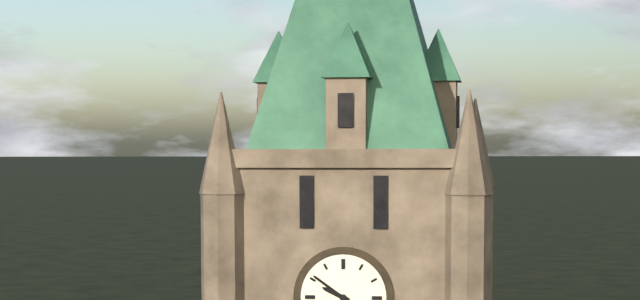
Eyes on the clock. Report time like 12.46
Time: 9.51
